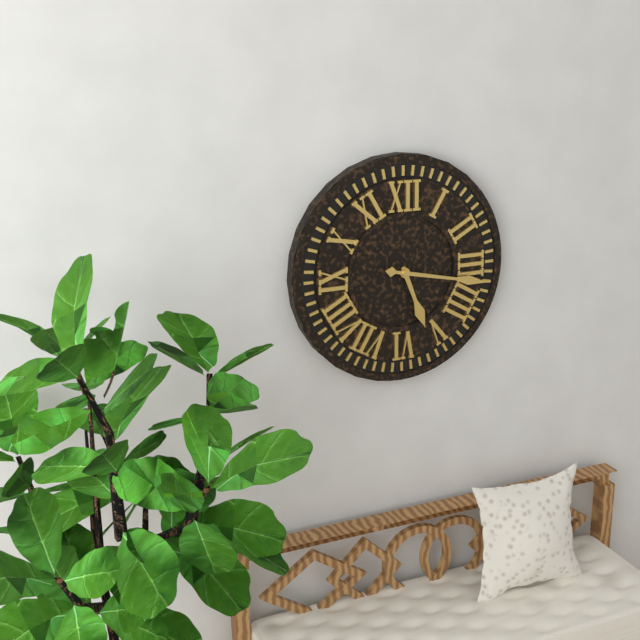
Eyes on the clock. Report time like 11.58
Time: 5.17
